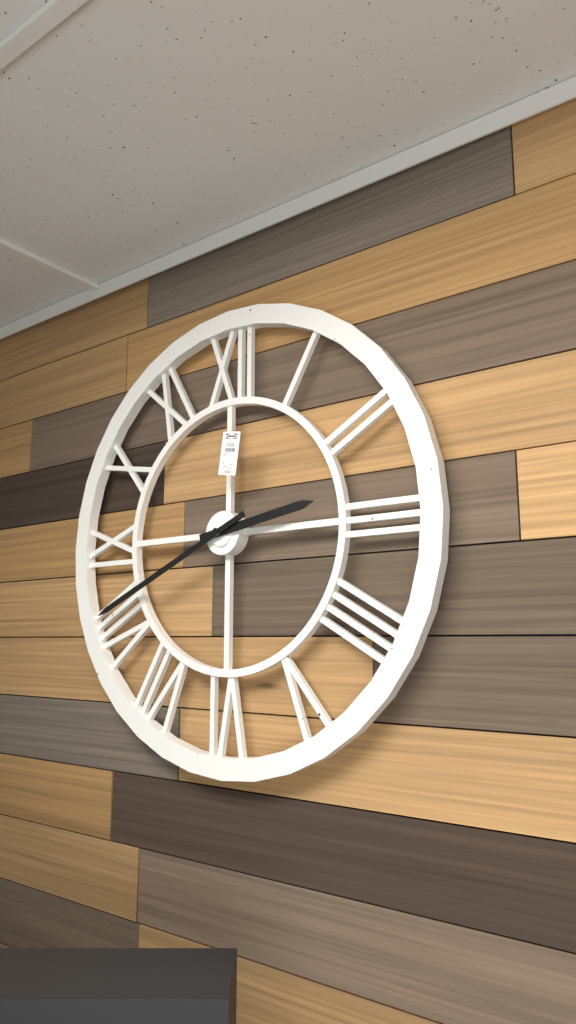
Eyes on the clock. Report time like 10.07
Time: 2.41
